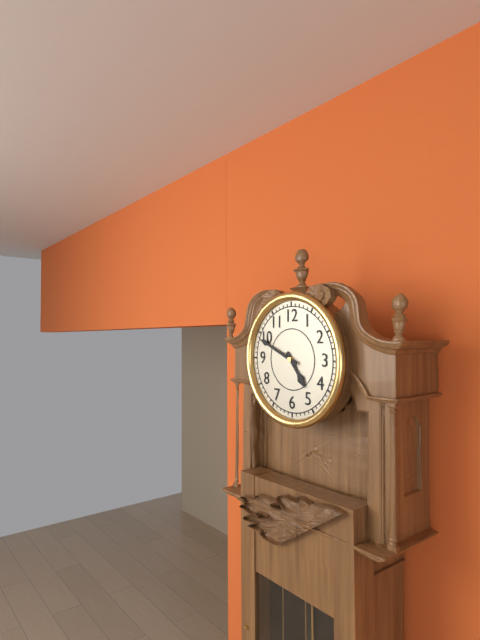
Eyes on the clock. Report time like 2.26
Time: 4.49
